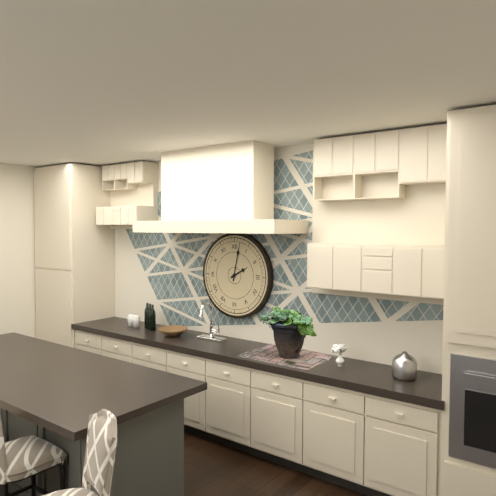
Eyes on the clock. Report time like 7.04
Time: 2.02
